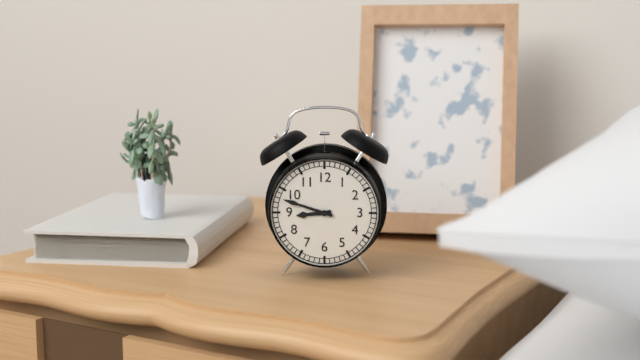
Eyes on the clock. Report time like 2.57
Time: 8.48
